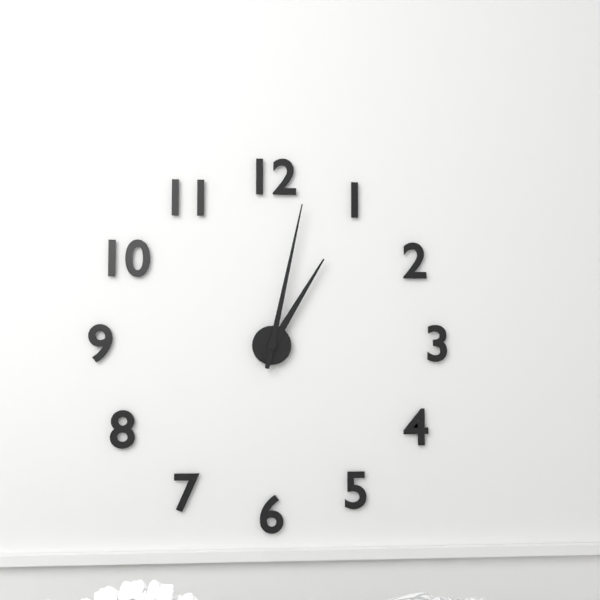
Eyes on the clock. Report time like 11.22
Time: 1.02
